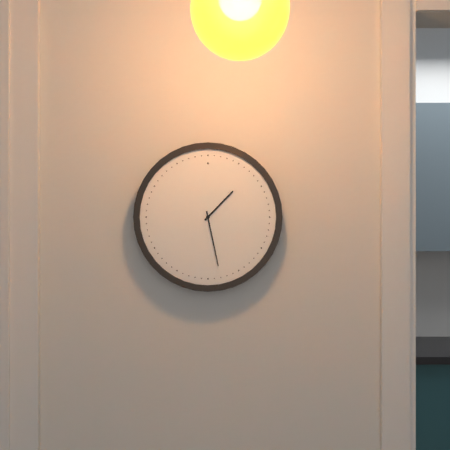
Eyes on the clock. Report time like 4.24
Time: 1.28
